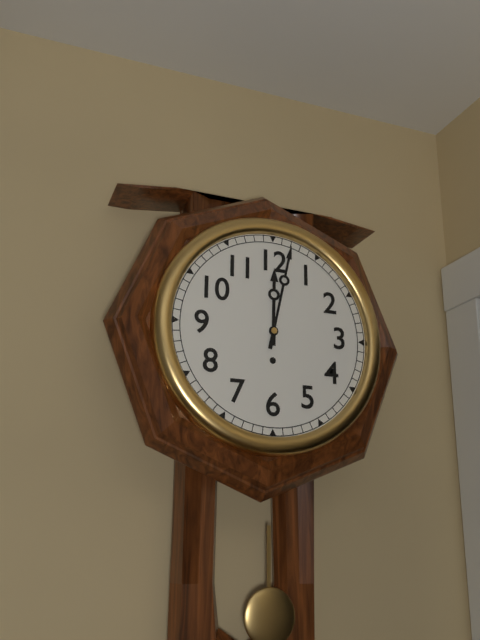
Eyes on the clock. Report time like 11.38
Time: 12.02
